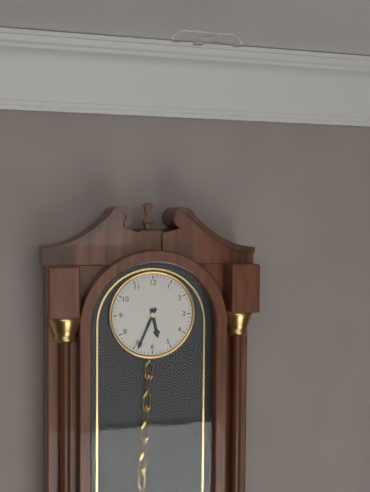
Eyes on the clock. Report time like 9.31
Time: 5.34
